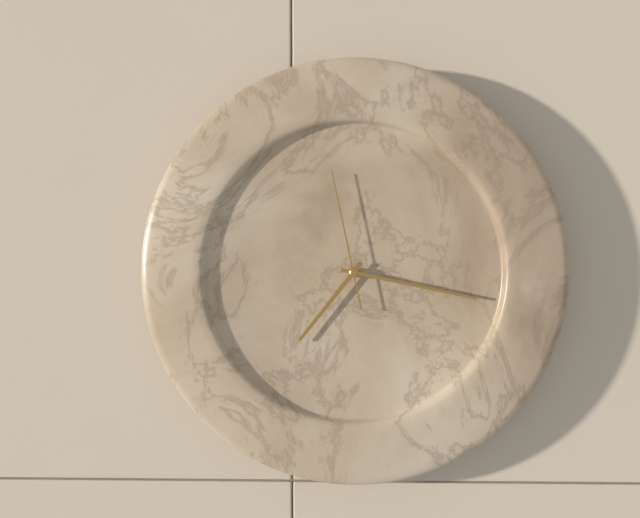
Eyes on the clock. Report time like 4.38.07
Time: 7.17.58
